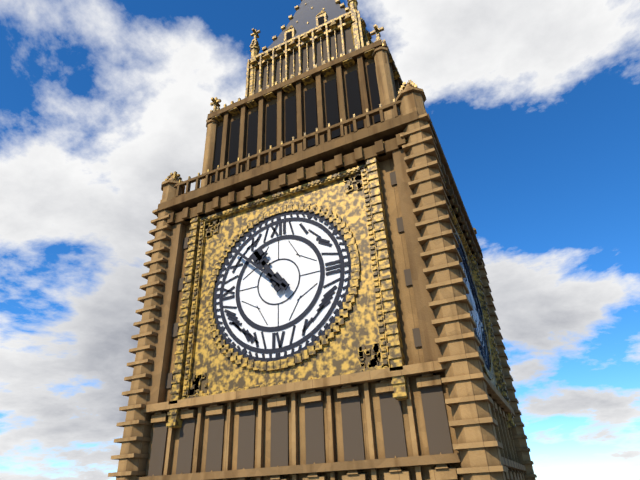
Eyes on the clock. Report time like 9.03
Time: 10.52
